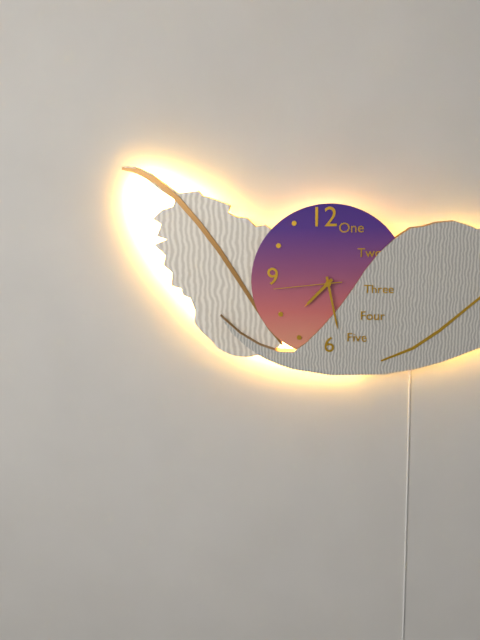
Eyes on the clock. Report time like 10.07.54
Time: 7.28.44
